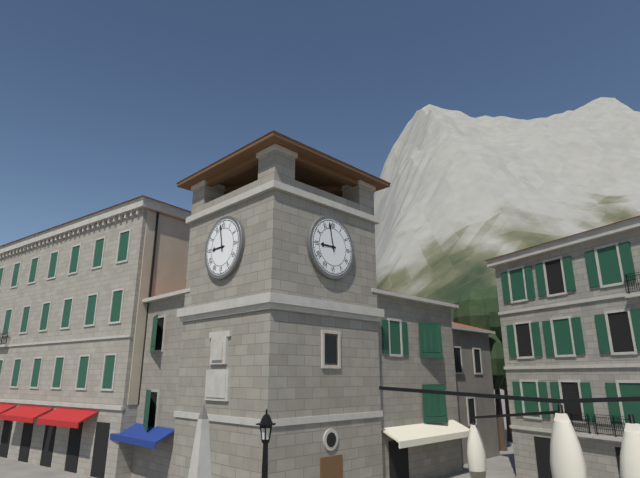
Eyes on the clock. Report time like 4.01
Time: 8.58
